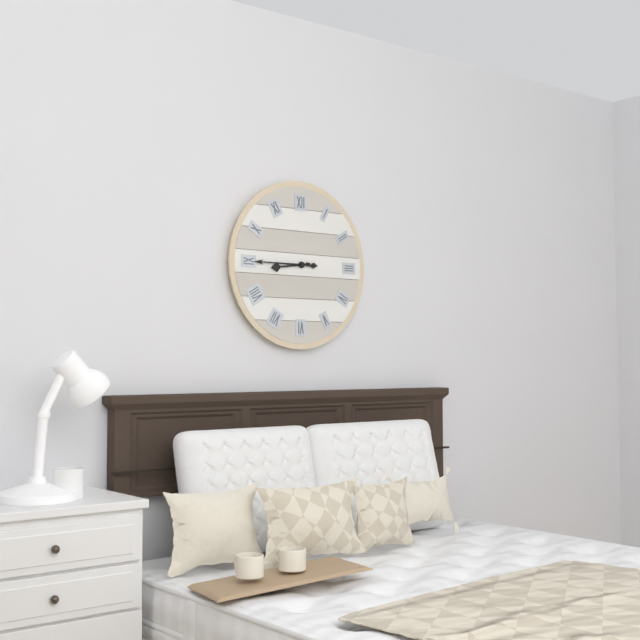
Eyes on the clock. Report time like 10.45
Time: 8.45
